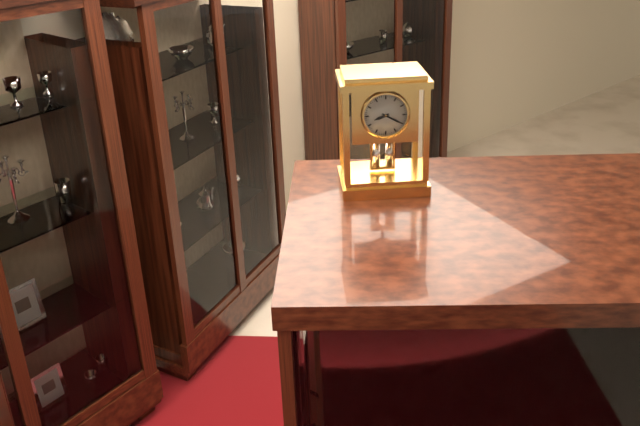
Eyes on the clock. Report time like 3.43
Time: 8.20
